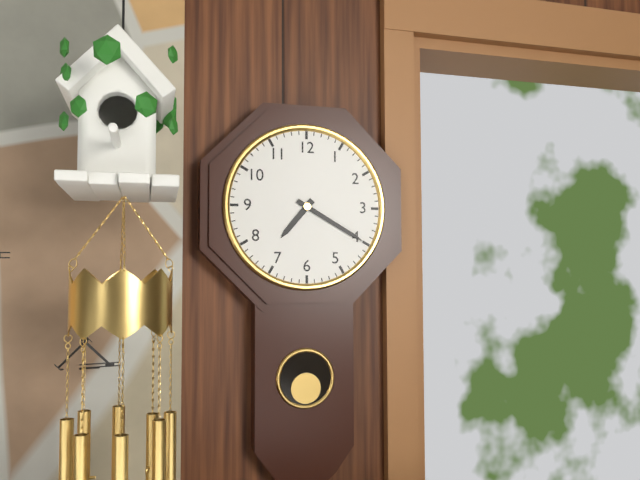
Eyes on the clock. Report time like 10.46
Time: 7.20
